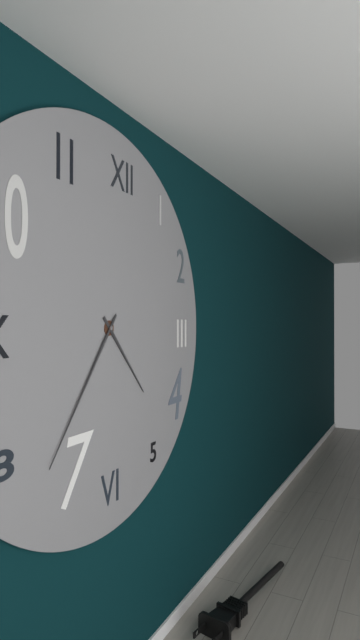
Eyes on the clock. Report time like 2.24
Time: 4.36
